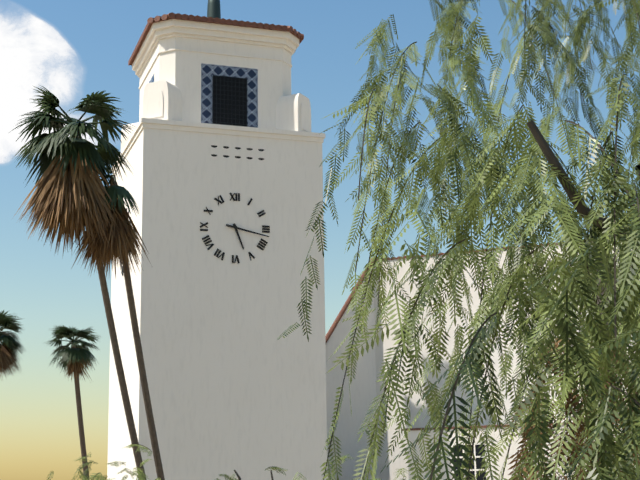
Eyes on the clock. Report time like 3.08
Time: 5.17
